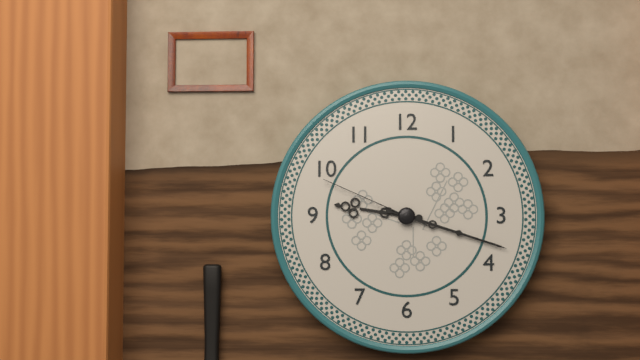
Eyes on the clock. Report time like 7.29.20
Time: 9.18.49
